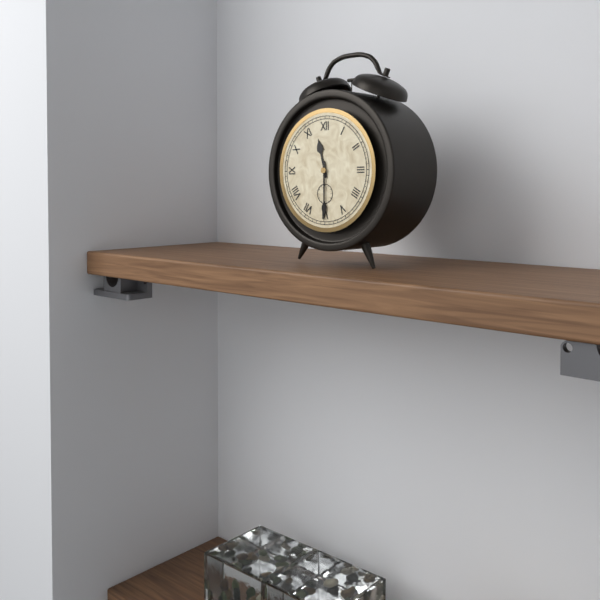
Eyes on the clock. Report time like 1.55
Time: 11.30
